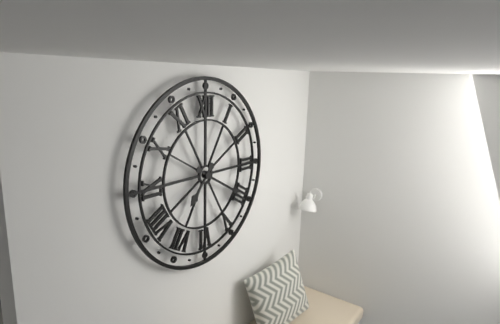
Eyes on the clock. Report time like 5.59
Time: 7.20
